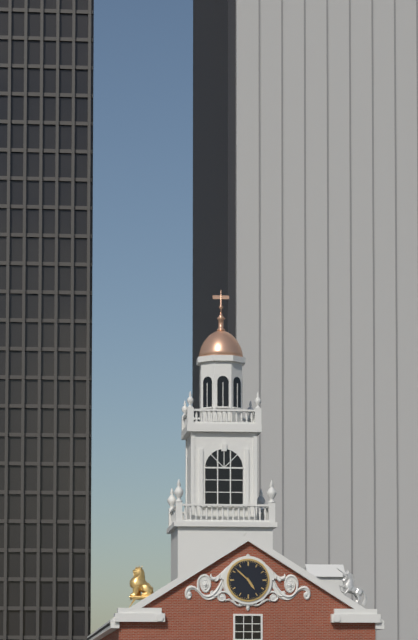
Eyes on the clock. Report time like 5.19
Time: 4.52
